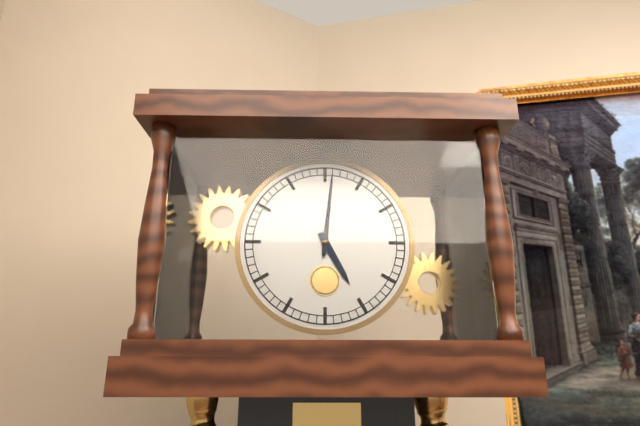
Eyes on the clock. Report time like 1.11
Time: 5.01
